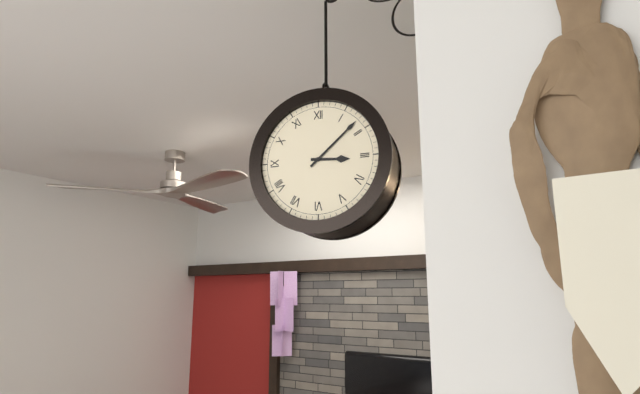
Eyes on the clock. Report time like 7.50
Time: 3.08
